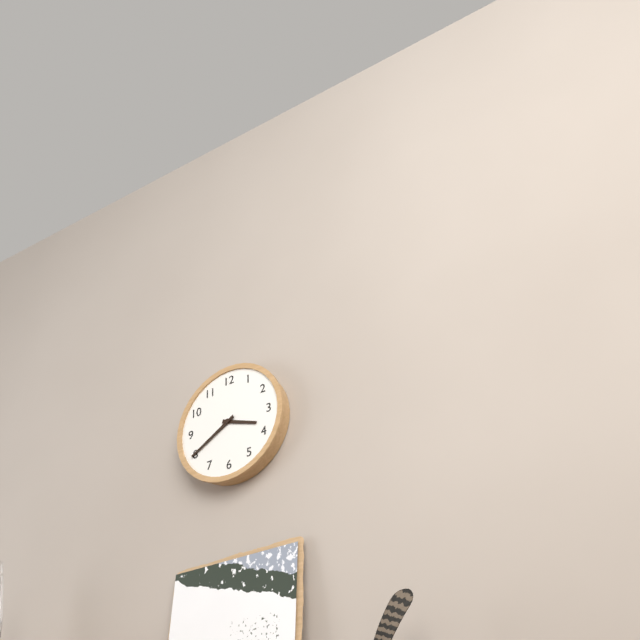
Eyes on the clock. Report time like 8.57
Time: 3.40
